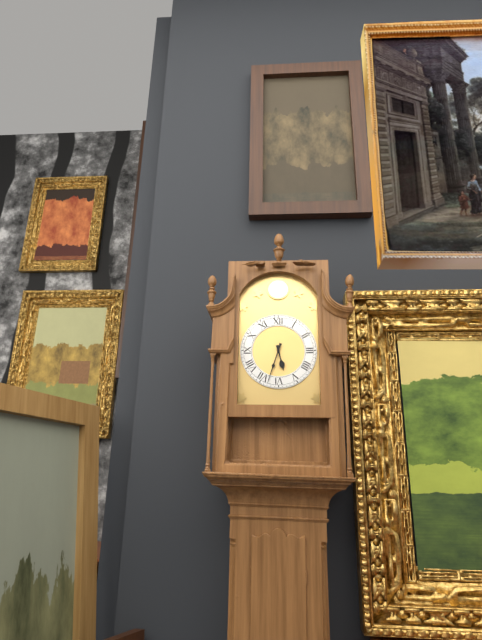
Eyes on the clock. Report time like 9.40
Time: 5.33
